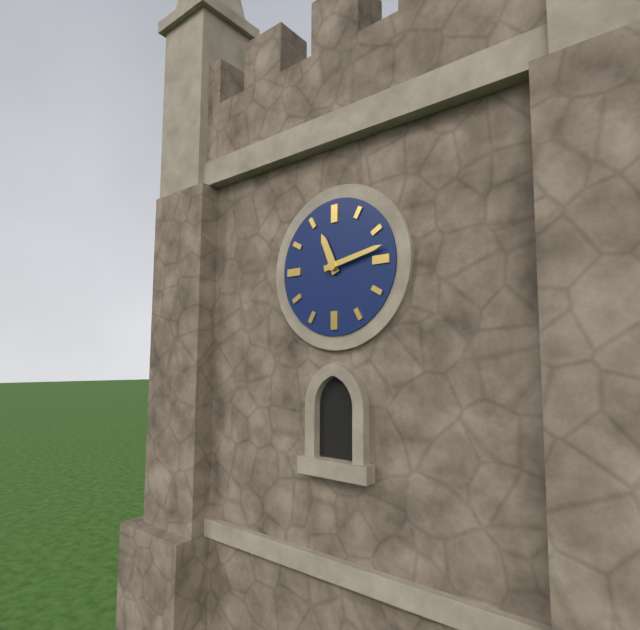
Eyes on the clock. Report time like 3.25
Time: 11.13
